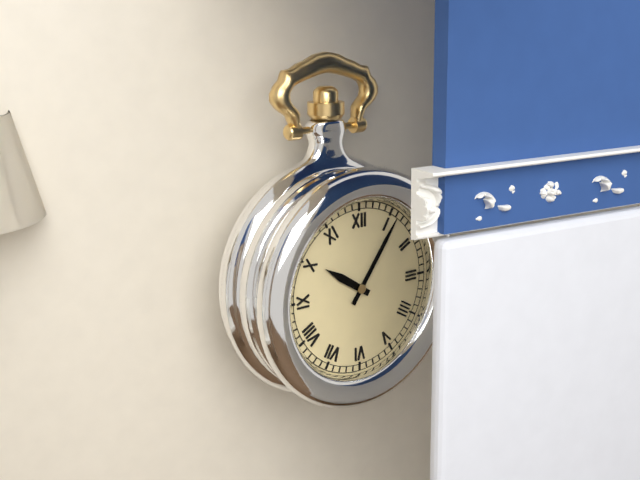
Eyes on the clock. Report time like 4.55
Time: 10.06
